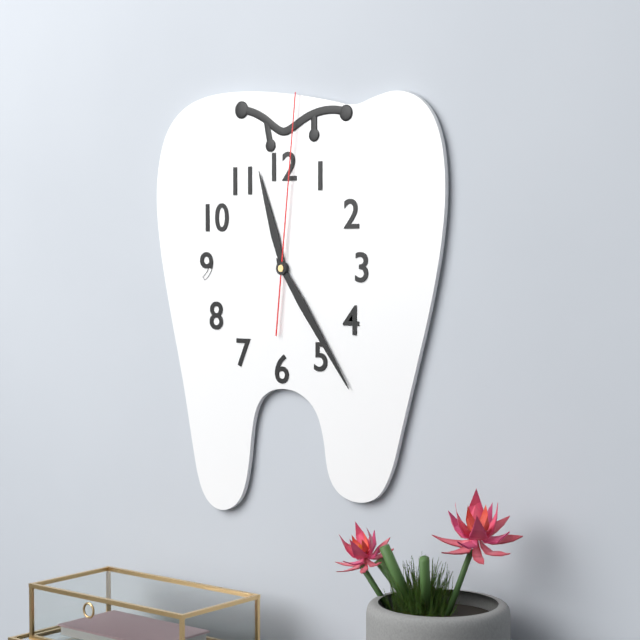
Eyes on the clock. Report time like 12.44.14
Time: 11.24.01
